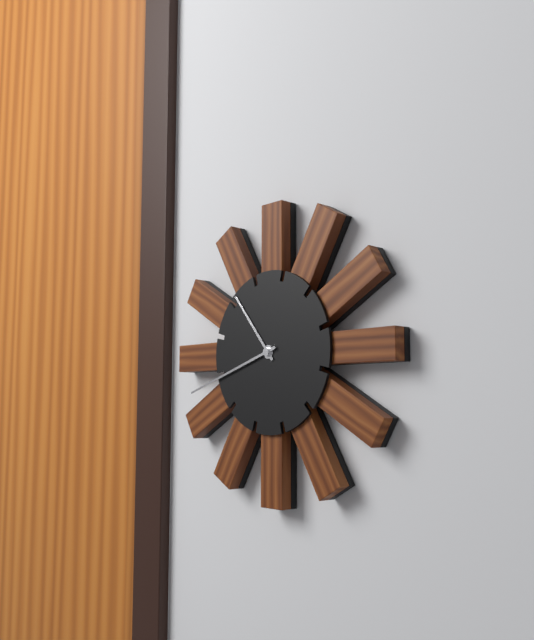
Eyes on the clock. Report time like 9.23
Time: 10.42
